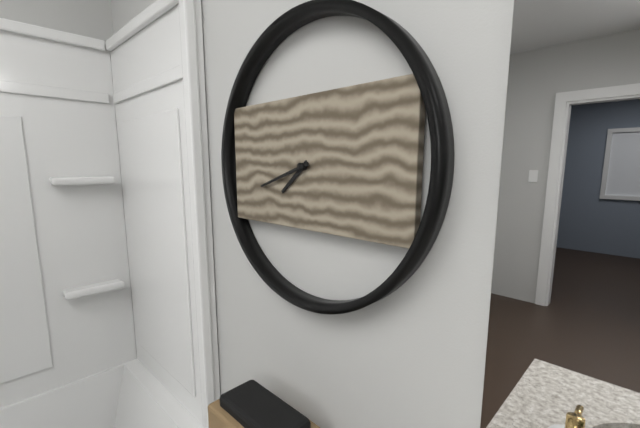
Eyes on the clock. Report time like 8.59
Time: 7.42
